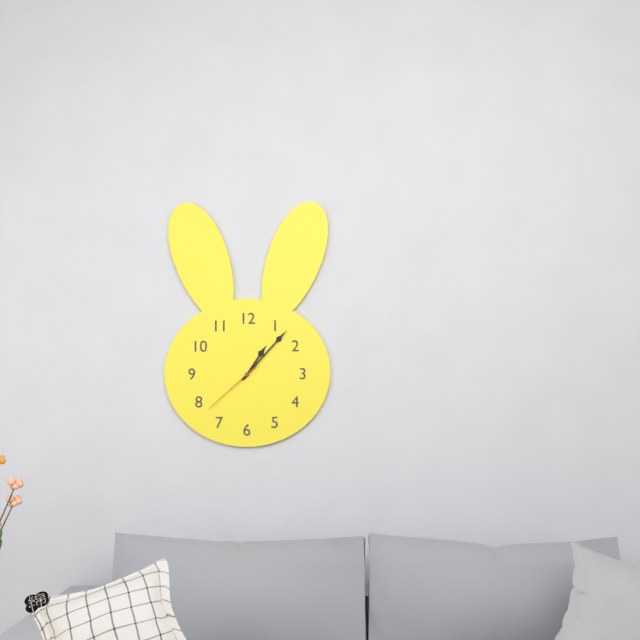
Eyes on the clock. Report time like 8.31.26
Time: 1.07.38
